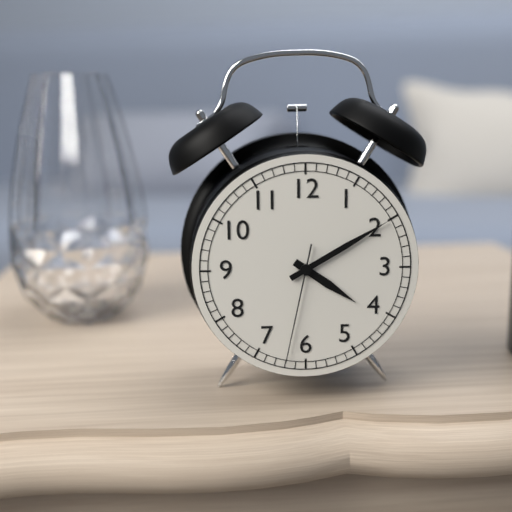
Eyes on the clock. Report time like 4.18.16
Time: 4.10.32
